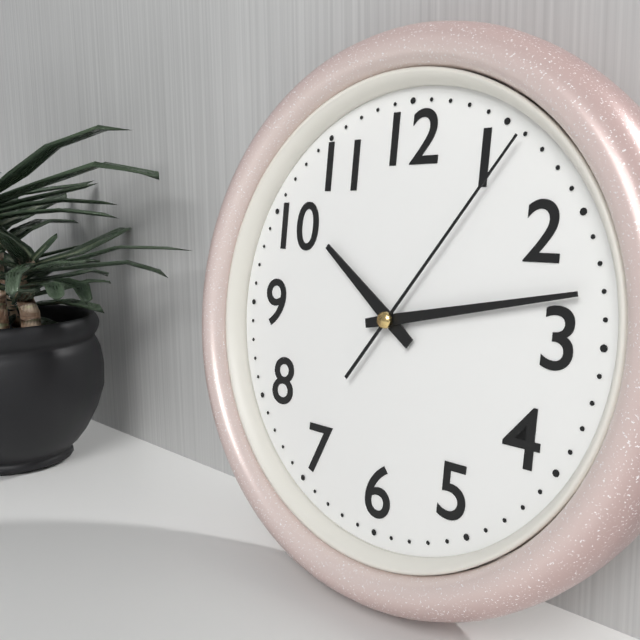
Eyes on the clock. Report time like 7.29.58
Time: 10.13.06
